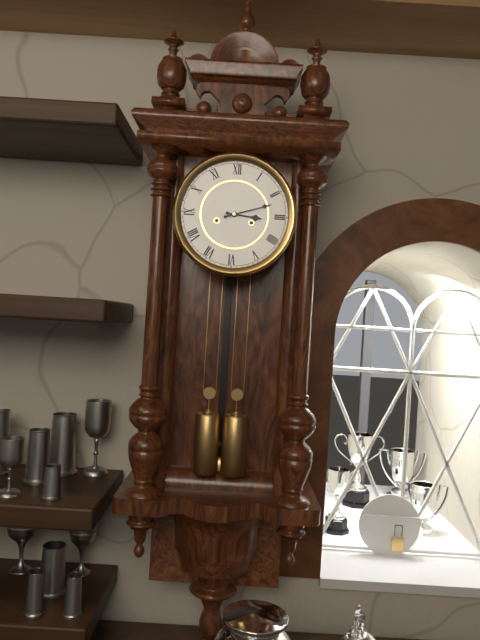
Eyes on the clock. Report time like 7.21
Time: 3.12
